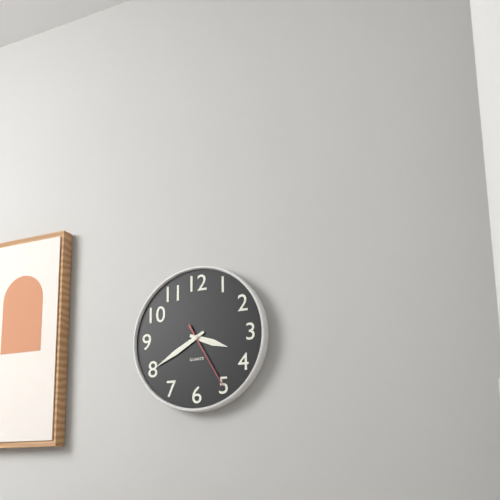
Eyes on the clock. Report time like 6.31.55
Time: 3.40.25
